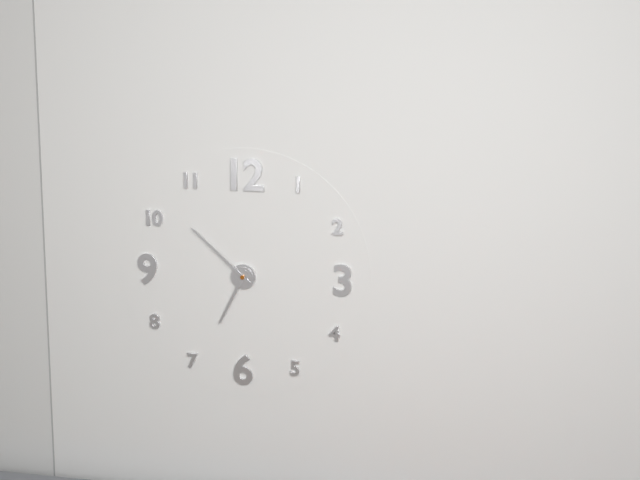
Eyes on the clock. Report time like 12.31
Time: 6.52
